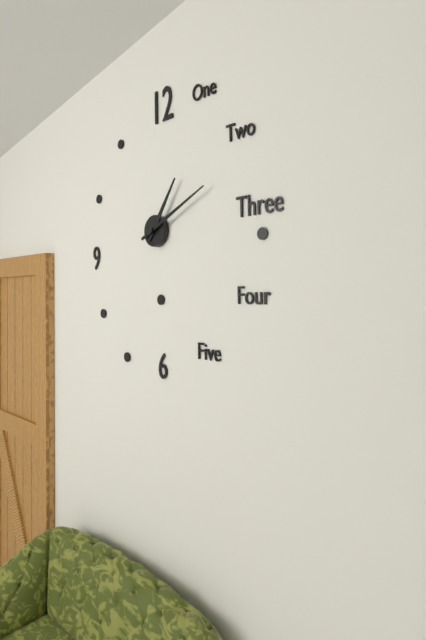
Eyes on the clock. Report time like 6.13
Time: 1.11
